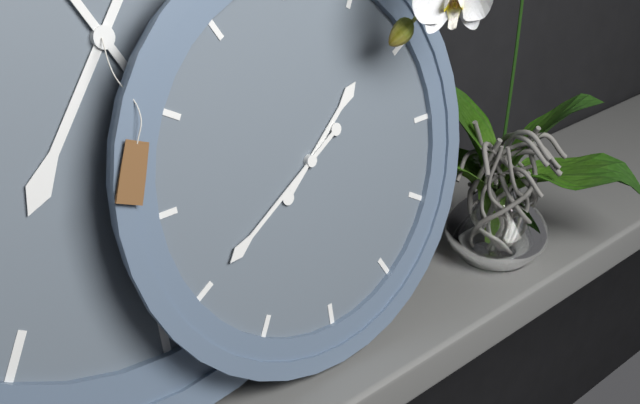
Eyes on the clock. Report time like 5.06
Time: 1.40
